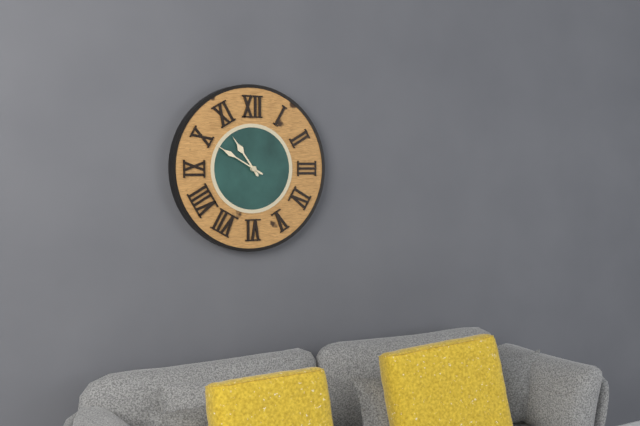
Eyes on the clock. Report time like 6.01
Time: 10.50
